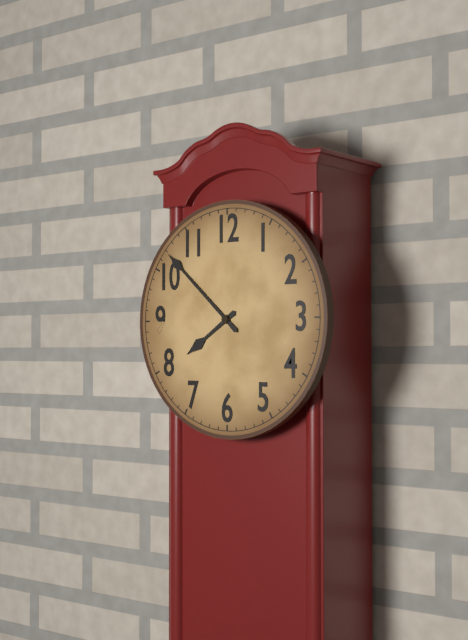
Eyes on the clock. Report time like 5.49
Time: 7.52
